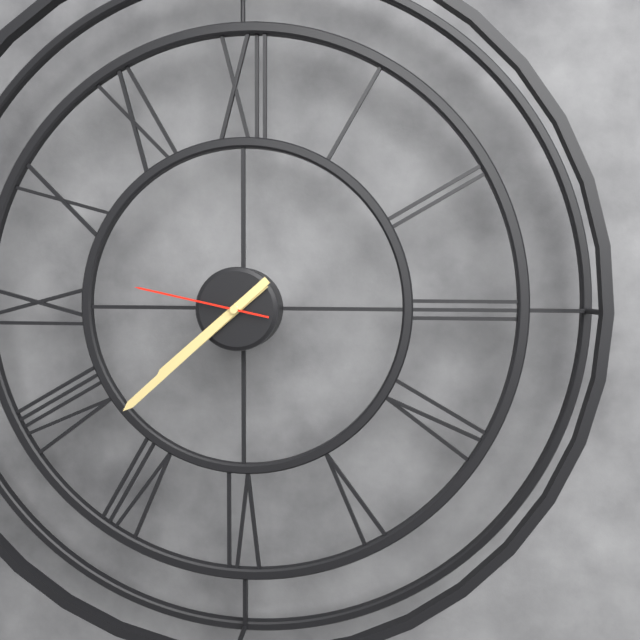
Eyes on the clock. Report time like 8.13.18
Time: 7.38.47
